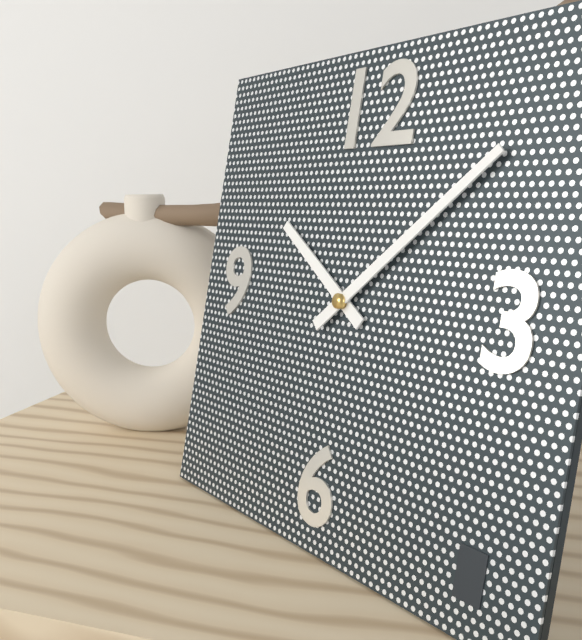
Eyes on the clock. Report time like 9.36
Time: 10.08
